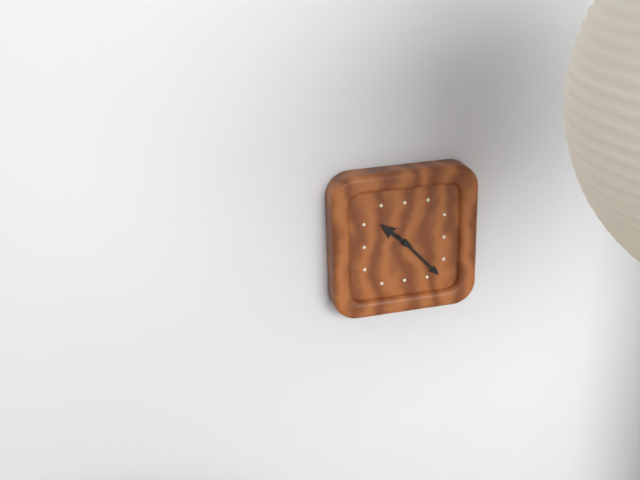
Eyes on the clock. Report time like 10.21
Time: 10.23
